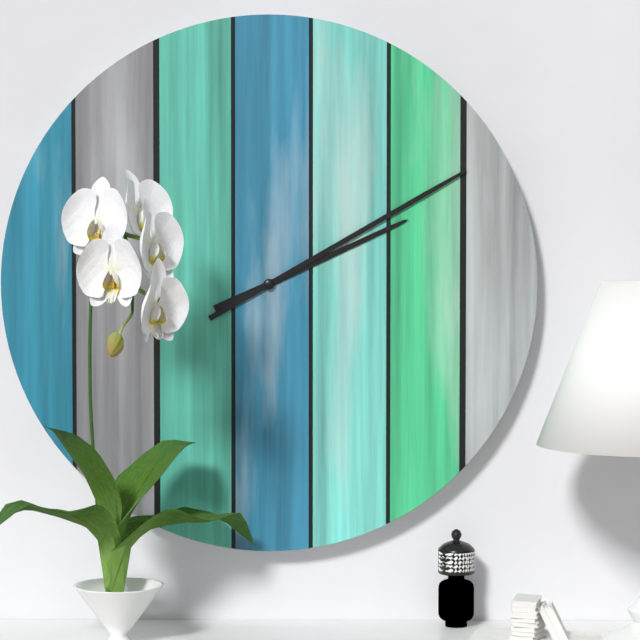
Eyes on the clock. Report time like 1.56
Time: 2.10
